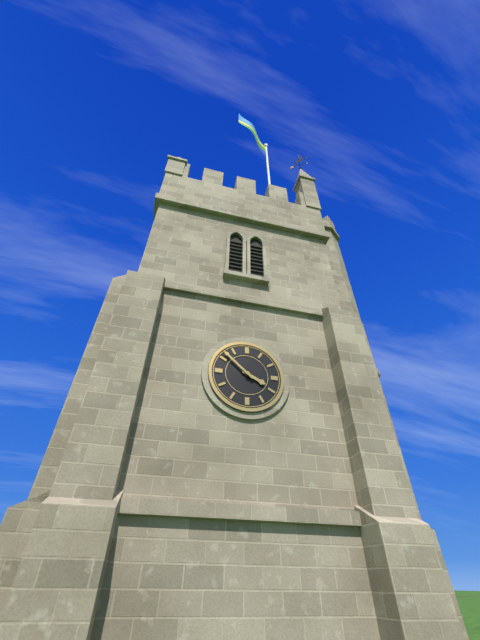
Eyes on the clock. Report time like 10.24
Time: 3.52
